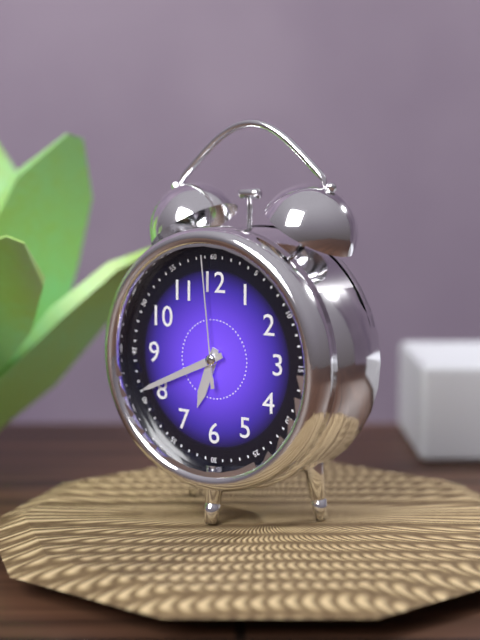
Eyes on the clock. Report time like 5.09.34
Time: 6.41.59
